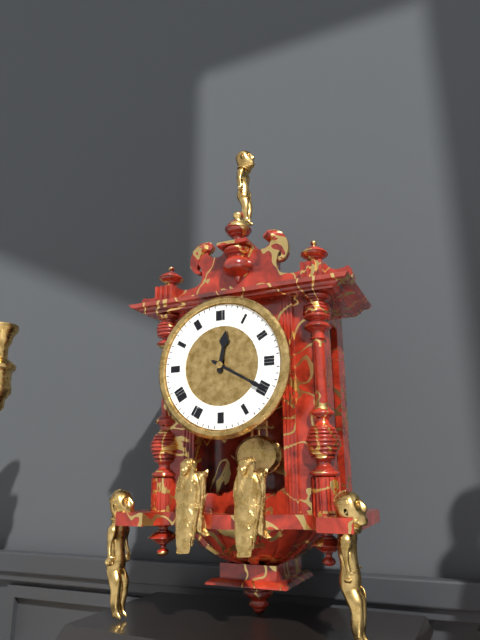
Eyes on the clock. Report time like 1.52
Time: 12.20
